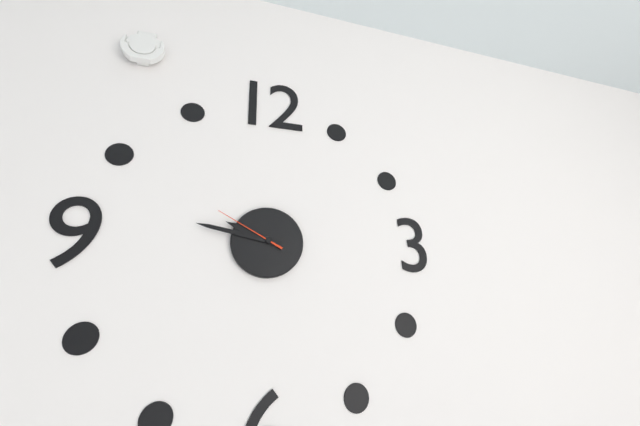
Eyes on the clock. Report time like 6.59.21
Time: 9.47.50
